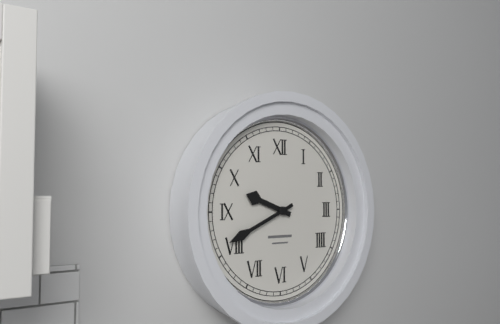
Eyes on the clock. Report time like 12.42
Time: 9.41
